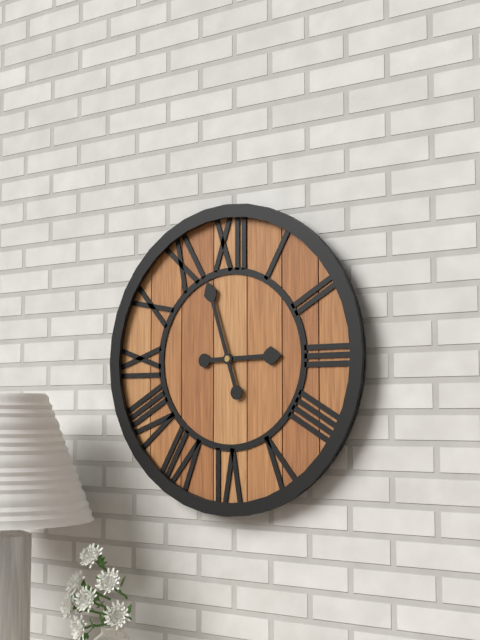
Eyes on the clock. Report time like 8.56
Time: 2.57
